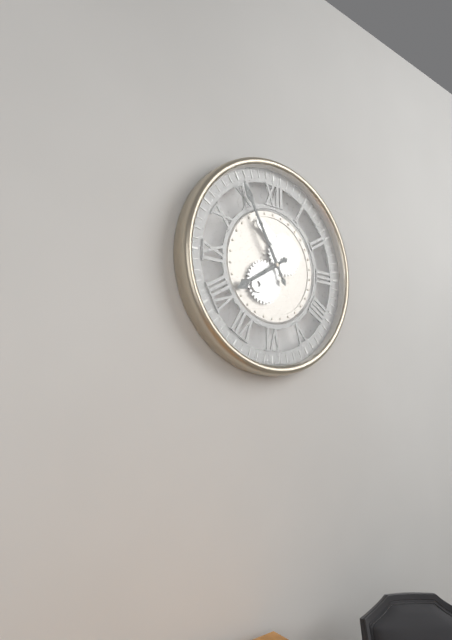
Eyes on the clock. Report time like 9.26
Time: 7.55
